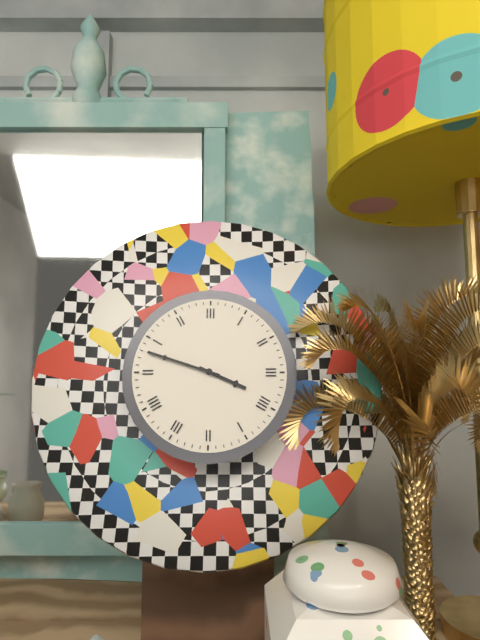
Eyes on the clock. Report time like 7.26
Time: 3.48
